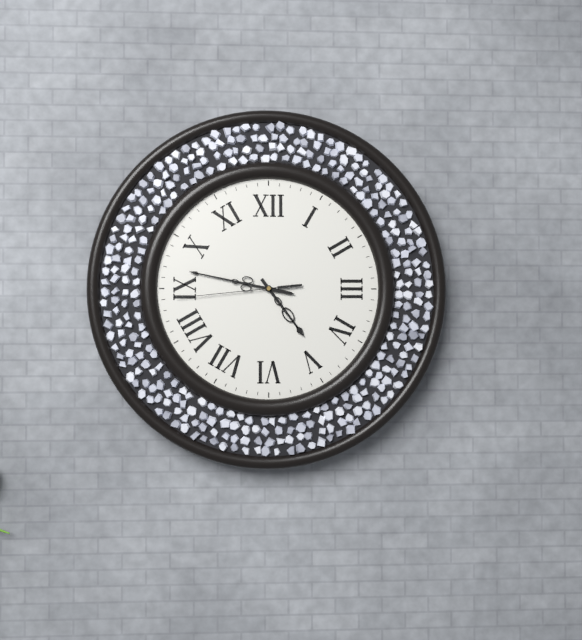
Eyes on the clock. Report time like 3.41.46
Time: 4.47.44
